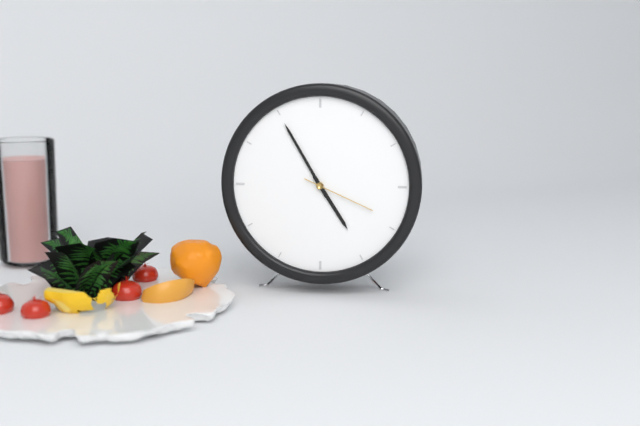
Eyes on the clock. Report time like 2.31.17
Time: 4.55.19
